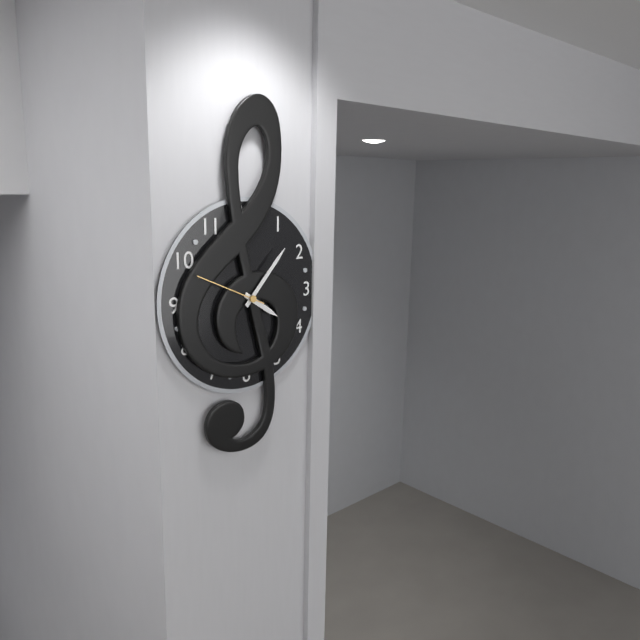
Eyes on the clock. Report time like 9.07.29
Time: 4.07.49
